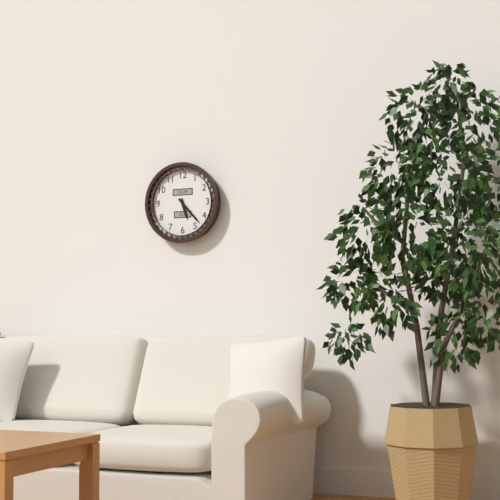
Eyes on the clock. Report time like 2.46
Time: 5.23
